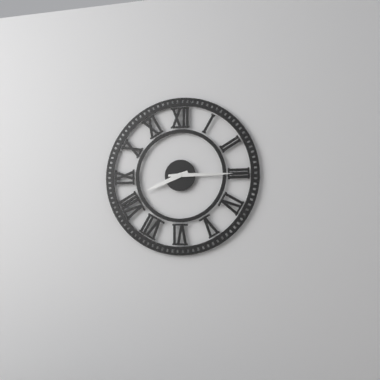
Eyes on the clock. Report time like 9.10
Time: 8.15
